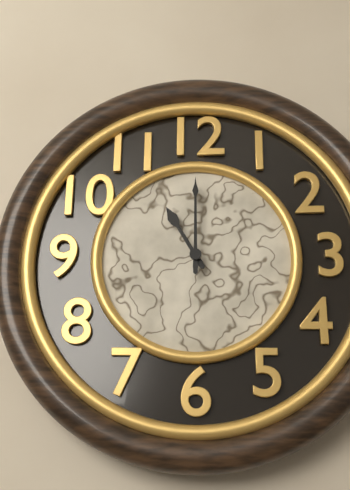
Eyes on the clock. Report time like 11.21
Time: 11.00
